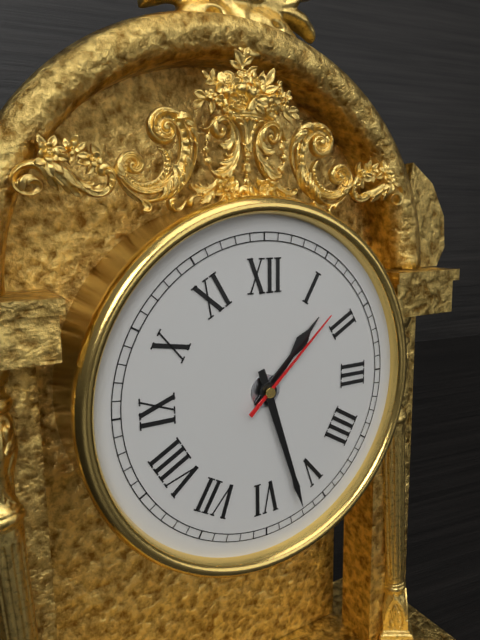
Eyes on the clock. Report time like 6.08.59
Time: 1.27.08
